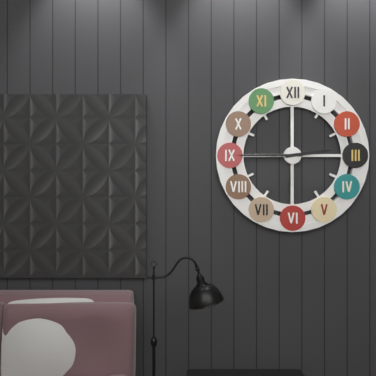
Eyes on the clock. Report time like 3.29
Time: 2.45
